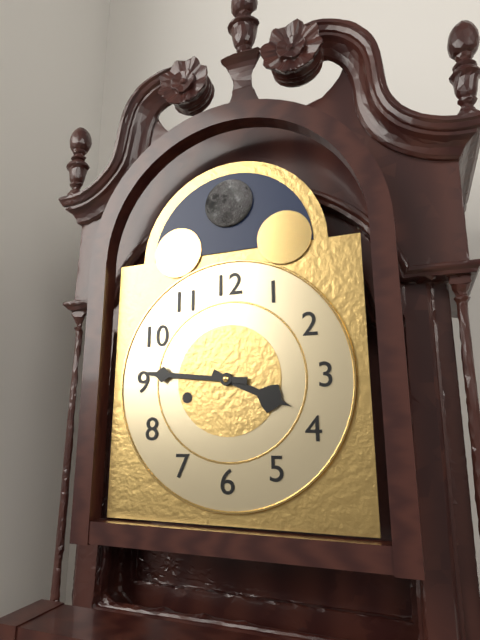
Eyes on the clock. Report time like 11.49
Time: 3.46
